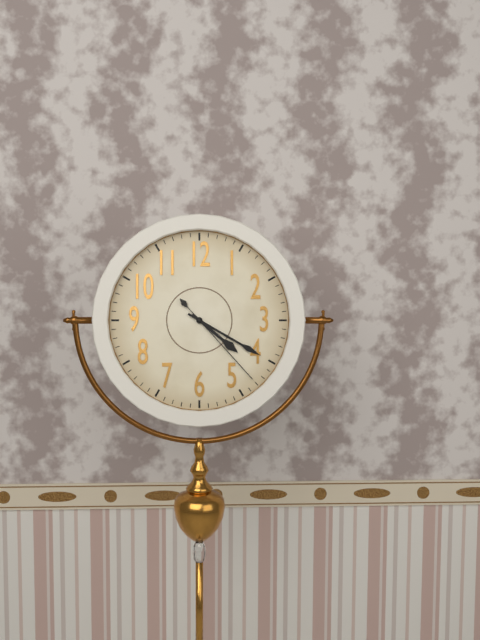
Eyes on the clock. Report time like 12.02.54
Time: 4.20.23
